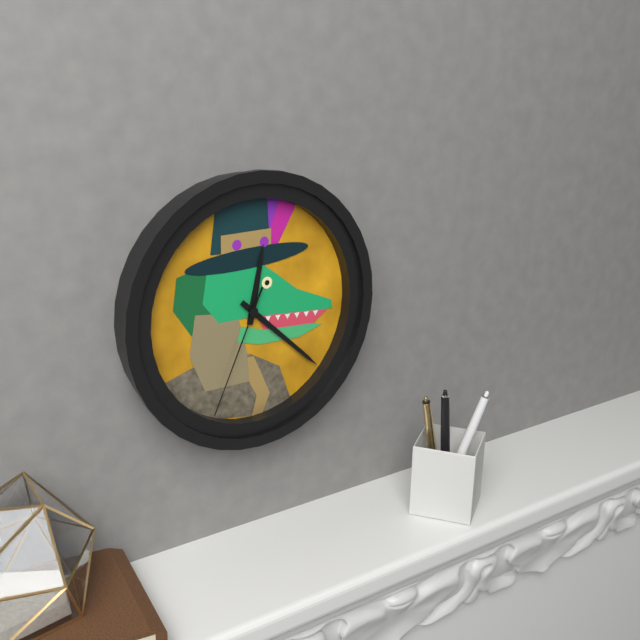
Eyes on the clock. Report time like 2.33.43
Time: 12.22.34
